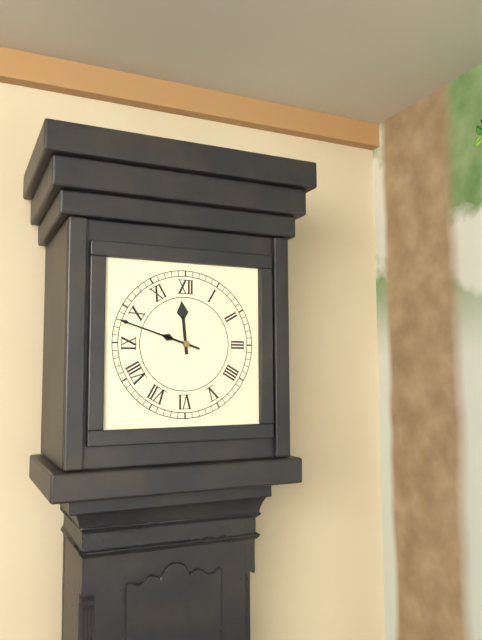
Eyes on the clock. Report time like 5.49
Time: 11.48
